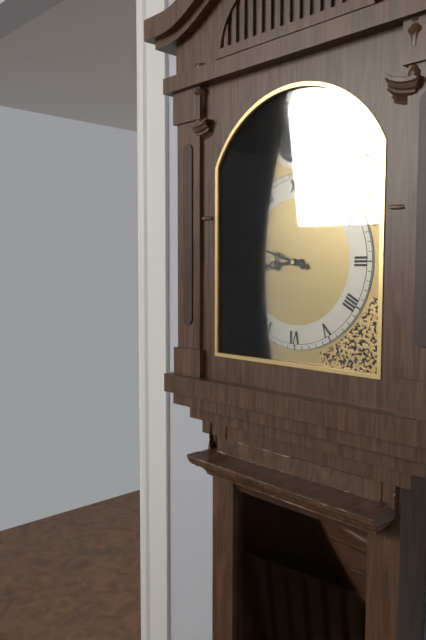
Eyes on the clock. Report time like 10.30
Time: 8.48
